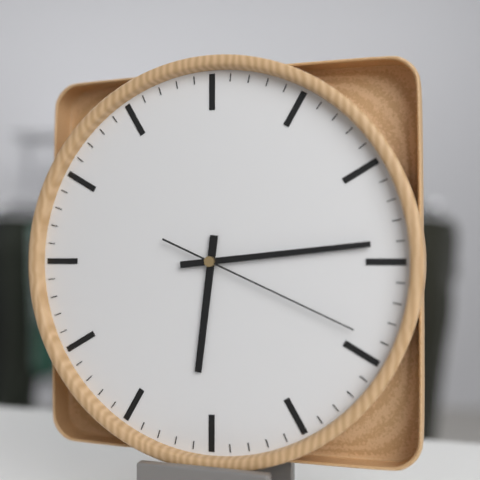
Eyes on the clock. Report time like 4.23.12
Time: 6.14.19
